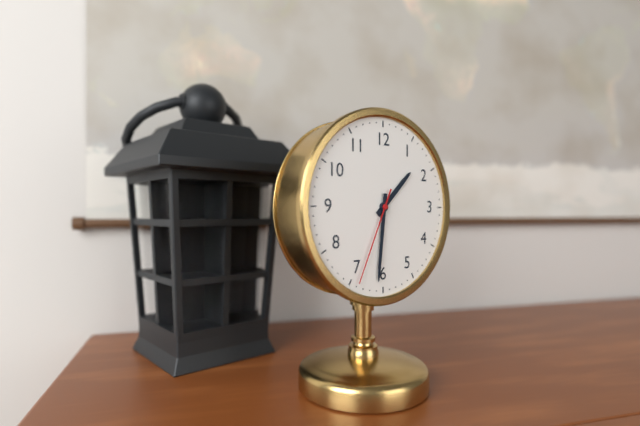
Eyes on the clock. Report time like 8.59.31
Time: 1.31.34
